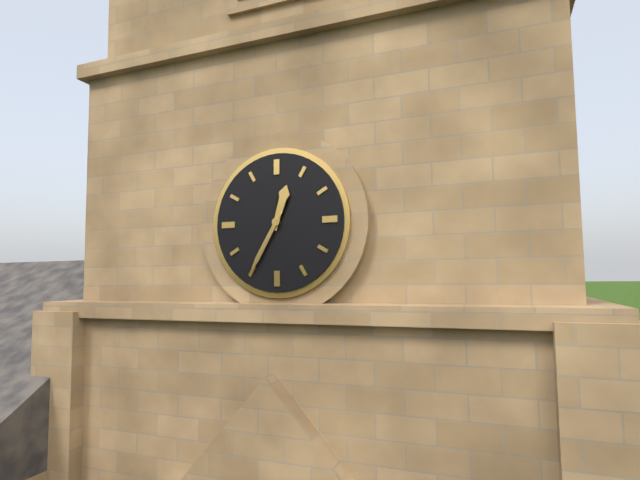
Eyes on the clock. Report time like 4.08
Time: 12.35
